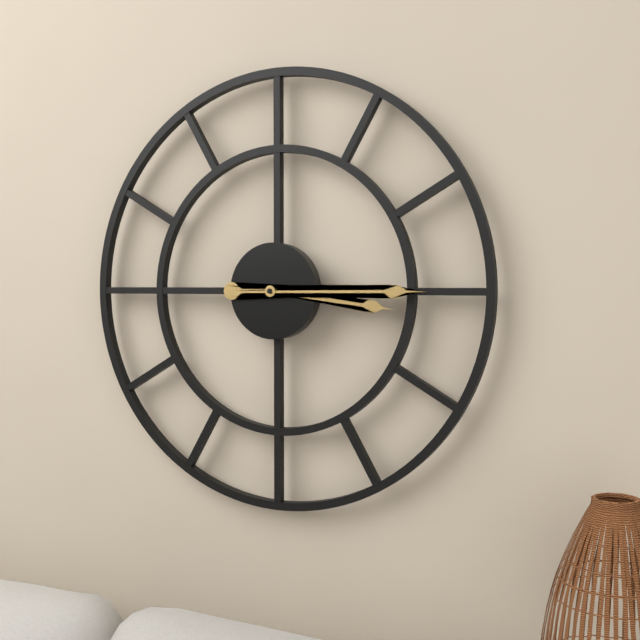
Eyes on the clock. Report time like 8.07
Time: 3.15
